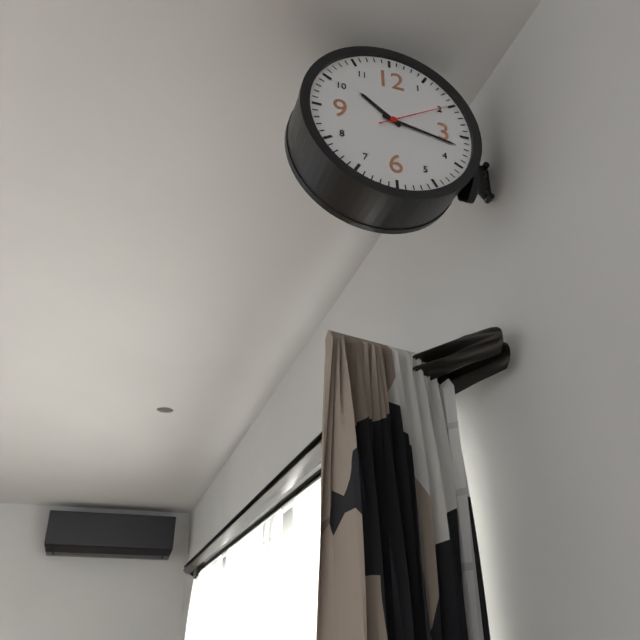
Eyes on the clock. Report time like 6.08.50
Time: 10.17.10
